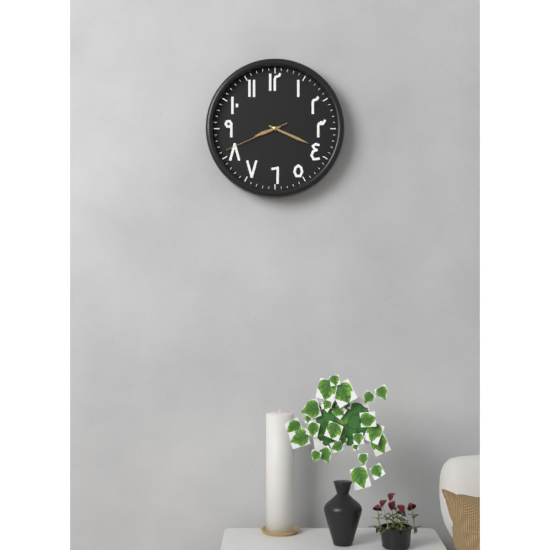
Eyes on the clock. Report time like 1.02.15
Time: 8.19.41
